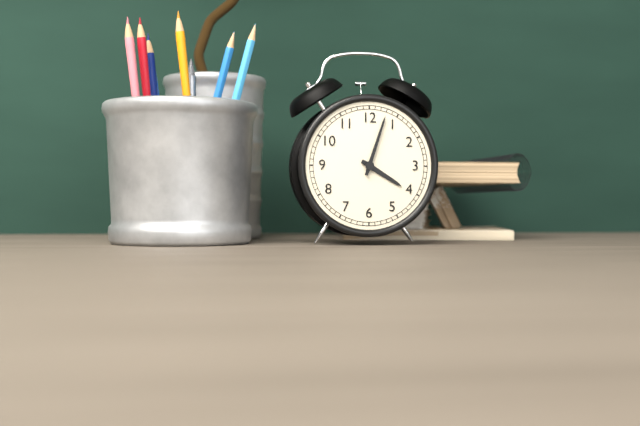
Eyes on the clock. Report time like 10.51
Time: 4.03
